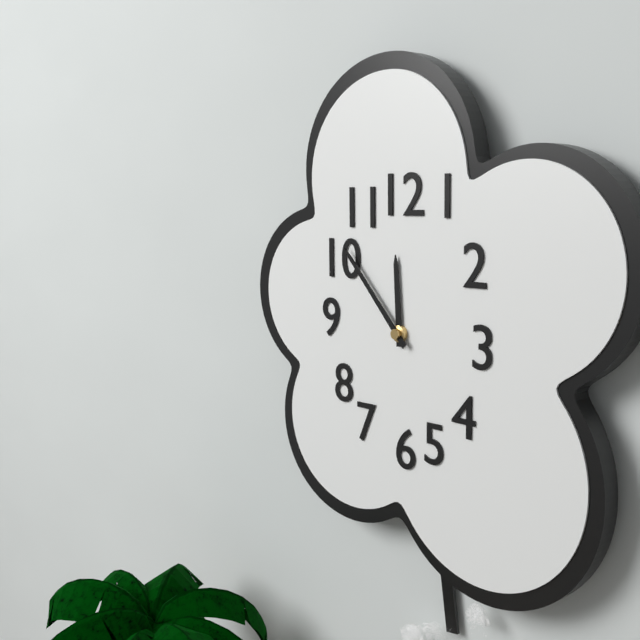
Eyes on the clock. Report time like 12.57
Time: 11.53
